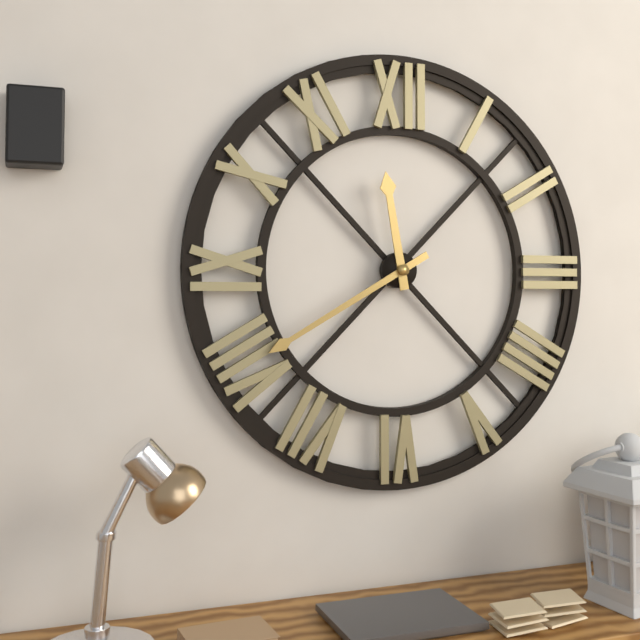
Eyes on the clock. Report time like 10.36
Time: 11.40
